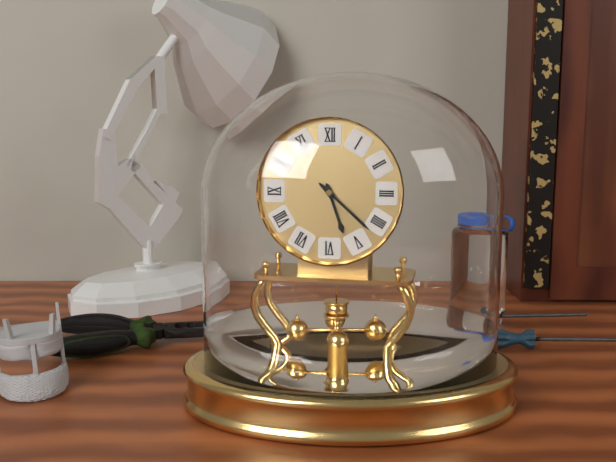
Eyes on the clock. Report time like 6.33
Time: 5.22
